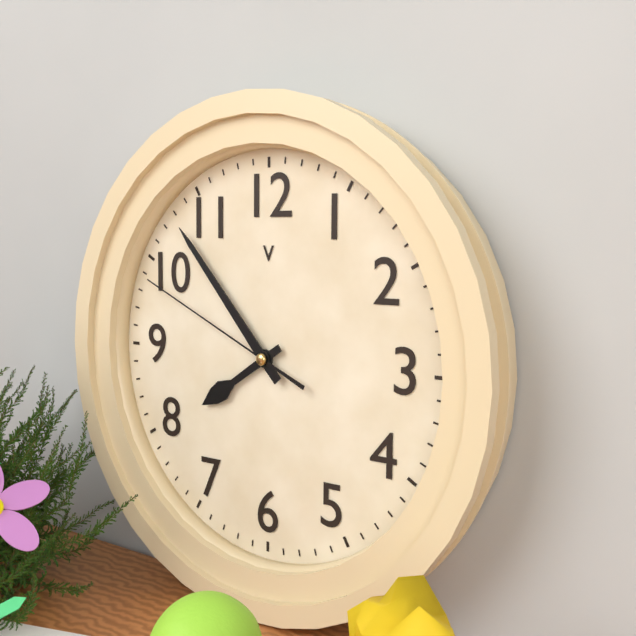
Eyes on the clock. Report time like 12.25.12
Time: 7.53.49
